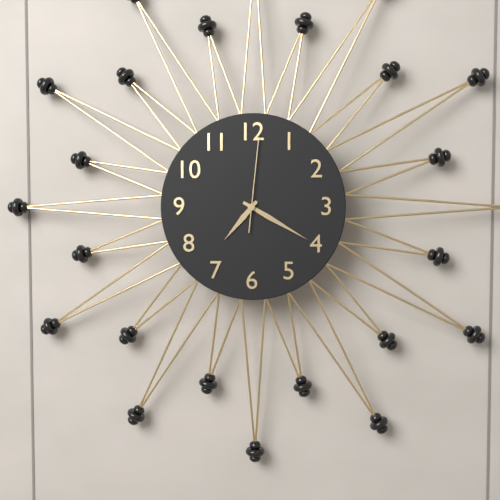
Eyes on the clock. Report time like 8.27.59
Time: 7.20.01
